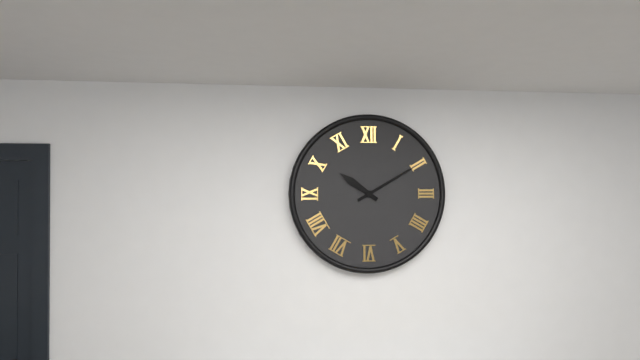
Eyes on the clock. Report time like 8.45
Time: 10.10
